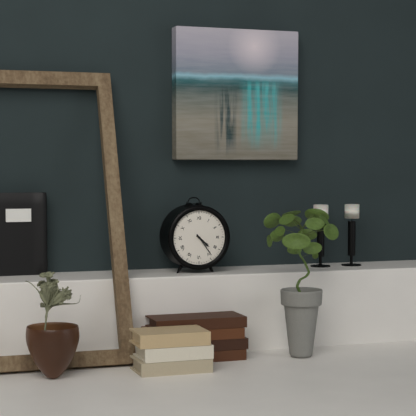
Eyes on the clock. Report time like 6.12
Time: 4.24
